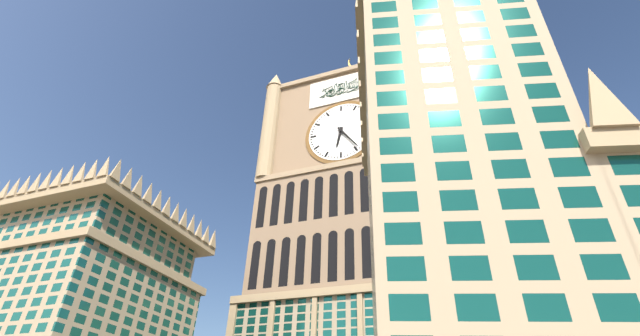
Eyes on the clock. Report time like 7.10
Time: 6.24
